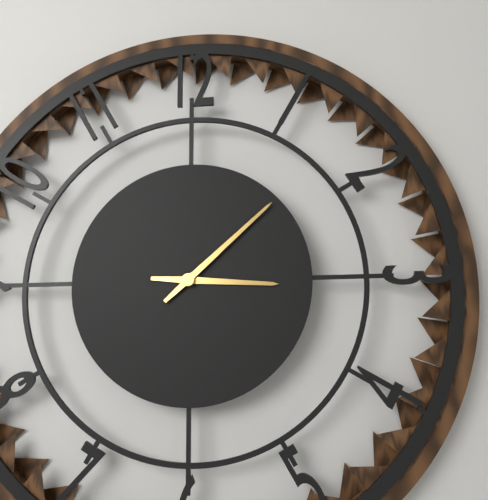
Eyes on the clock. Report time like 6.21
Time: 3.08
